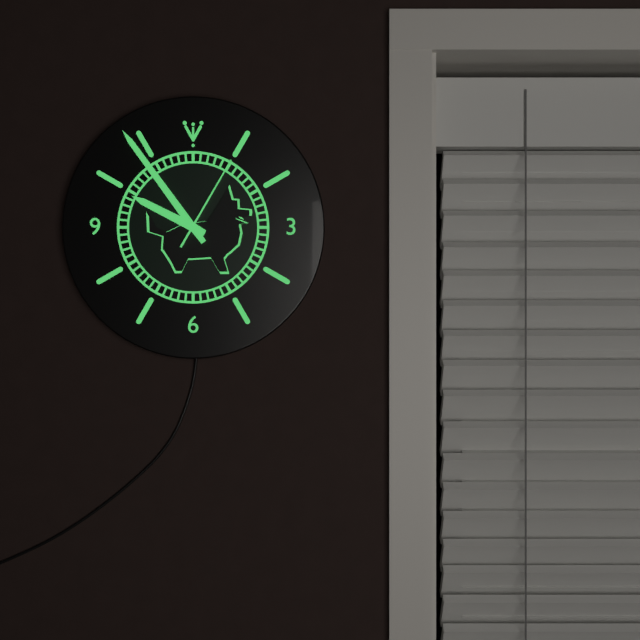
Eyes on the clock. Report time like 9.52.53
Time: 9.54.05
